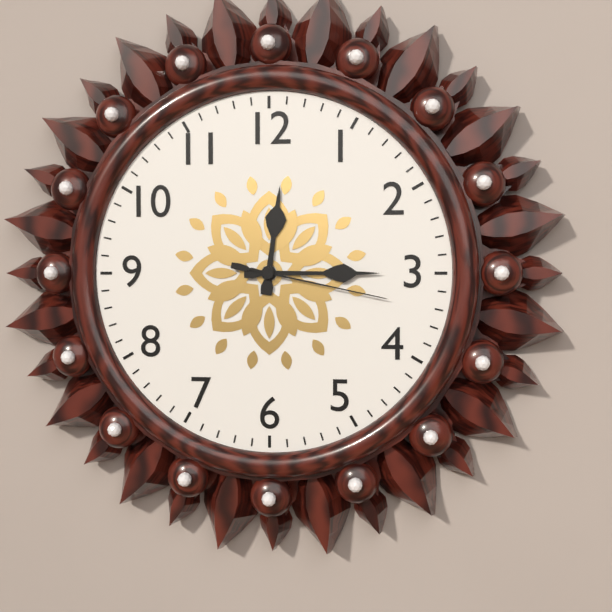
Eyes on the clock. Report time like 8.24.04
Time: 12.15.17
